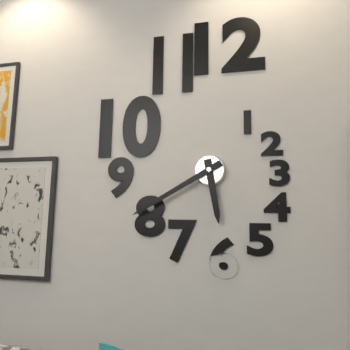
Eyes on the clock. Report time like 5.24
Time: 5.40
